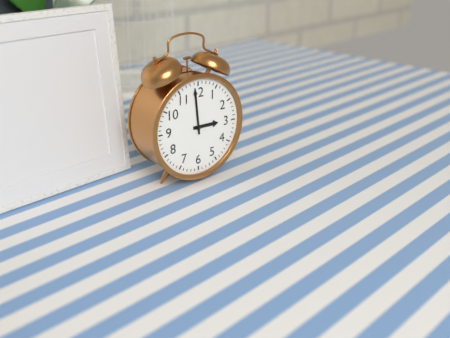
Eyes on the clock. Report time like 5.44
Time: 2.59
